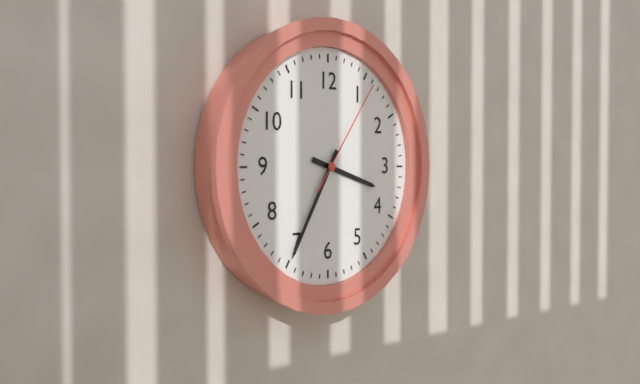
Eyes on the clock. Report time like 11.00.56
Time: 3.35.06
